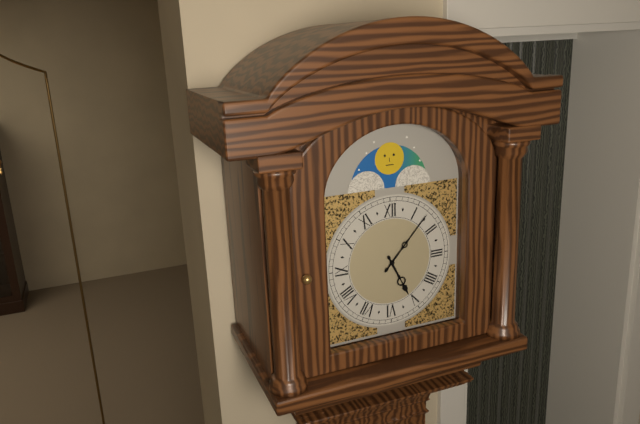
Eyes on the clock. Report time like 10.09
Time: 5.07
